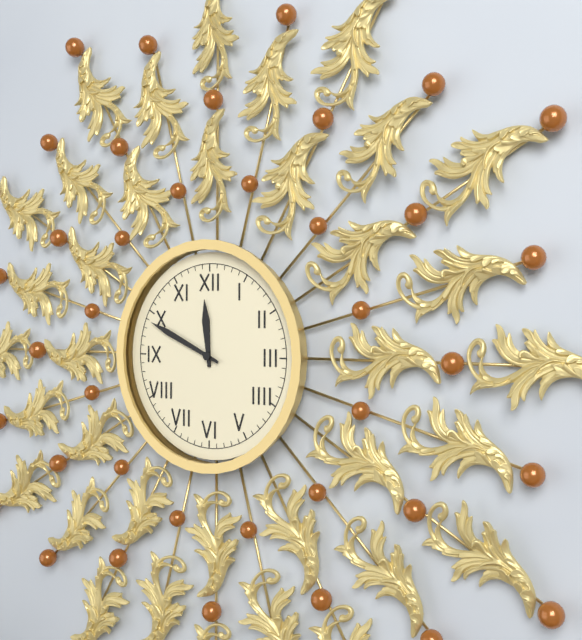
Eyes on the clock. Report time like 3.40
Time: 11.49
